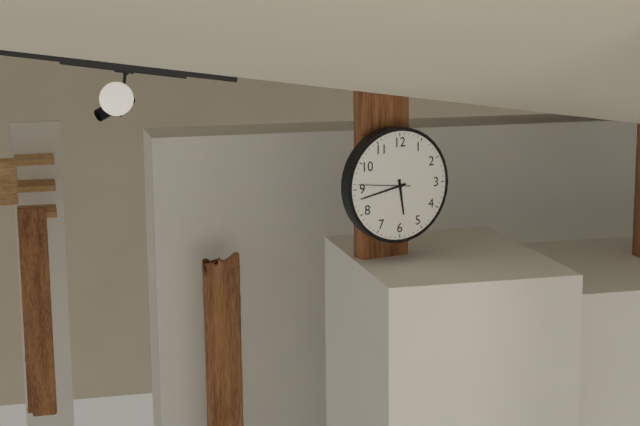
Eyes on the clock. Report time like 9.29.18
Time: 5.43.46
